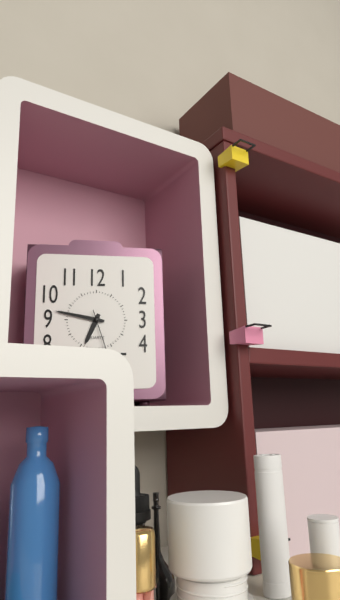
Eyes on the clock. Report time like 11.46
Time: 6.47
